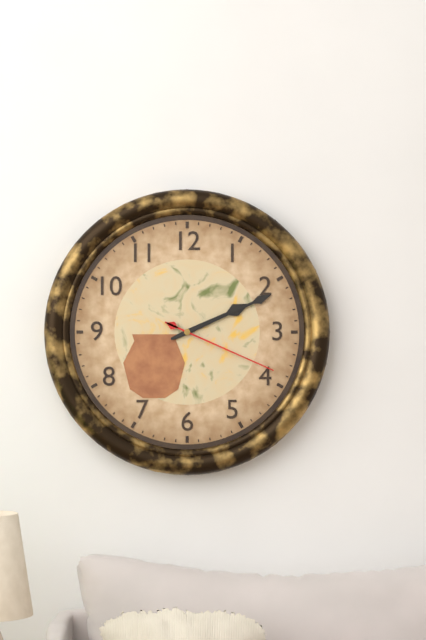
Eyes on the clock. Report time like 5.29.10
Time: 2.11.19
